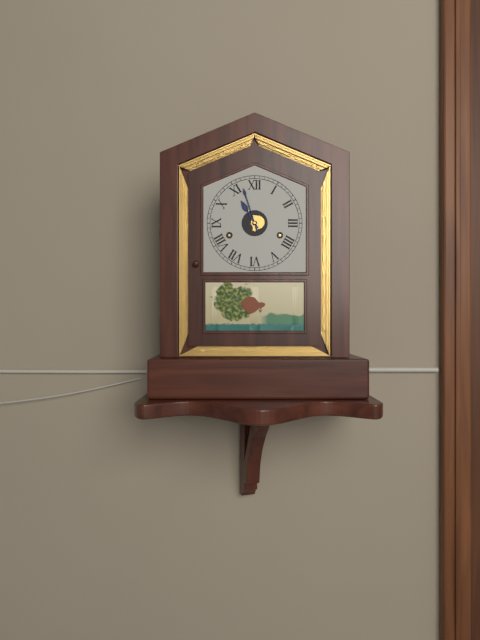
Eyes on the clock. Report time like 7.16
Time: 10.57
